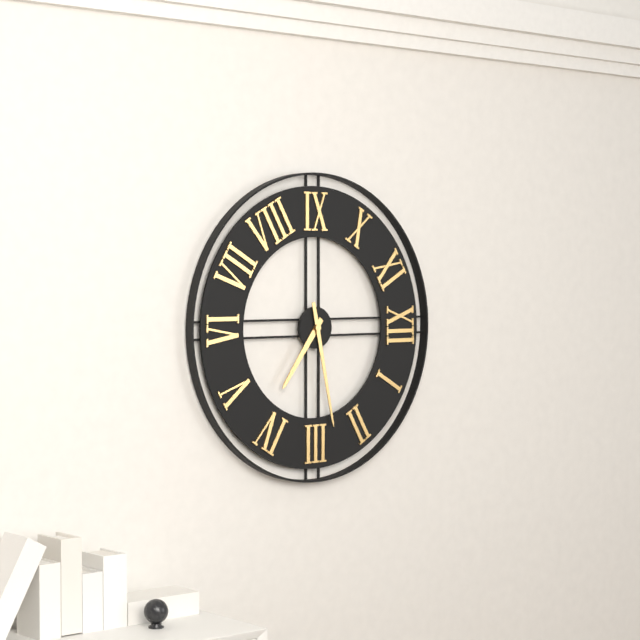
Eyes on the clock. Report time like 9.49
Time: 4.13
